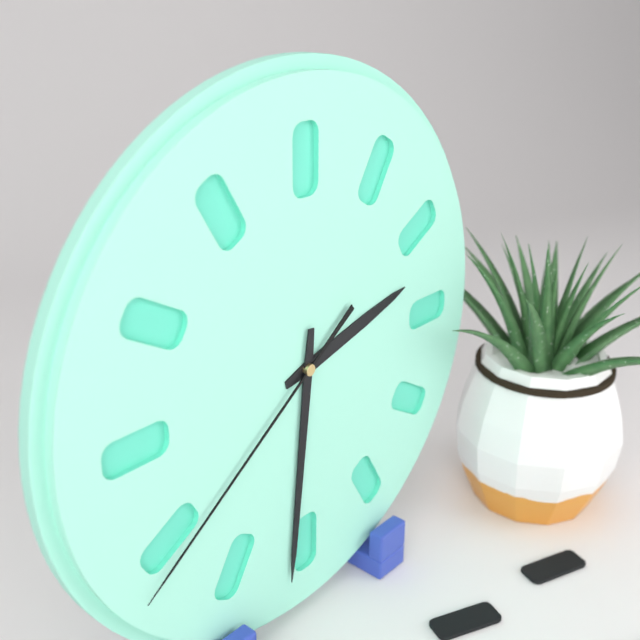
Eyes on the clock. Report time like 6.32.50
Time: 2.31.39
